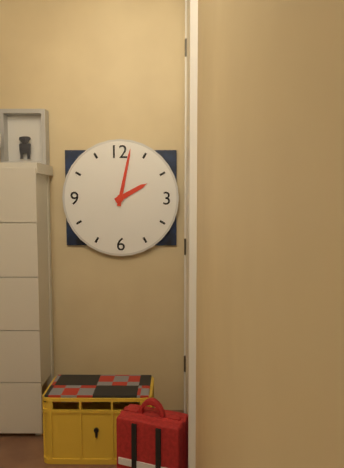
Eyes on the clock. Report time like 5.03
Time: 2.02
